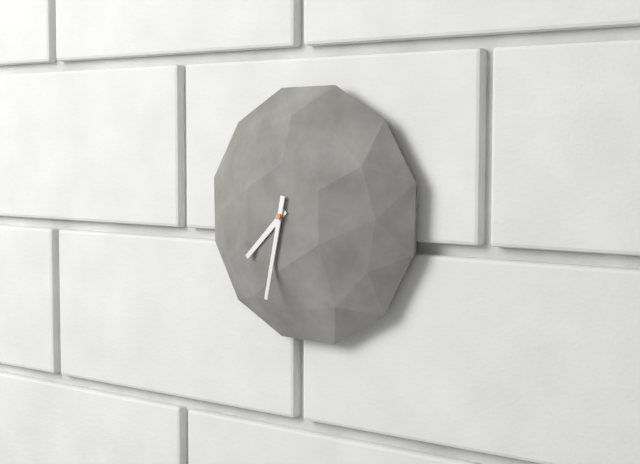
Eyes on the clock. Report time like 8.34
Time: 7.32
